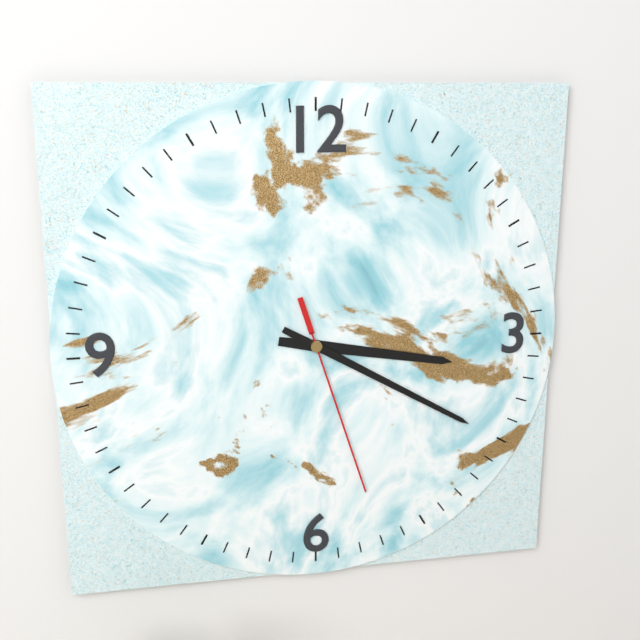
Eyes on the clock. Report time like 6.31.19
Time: 3.20.27
